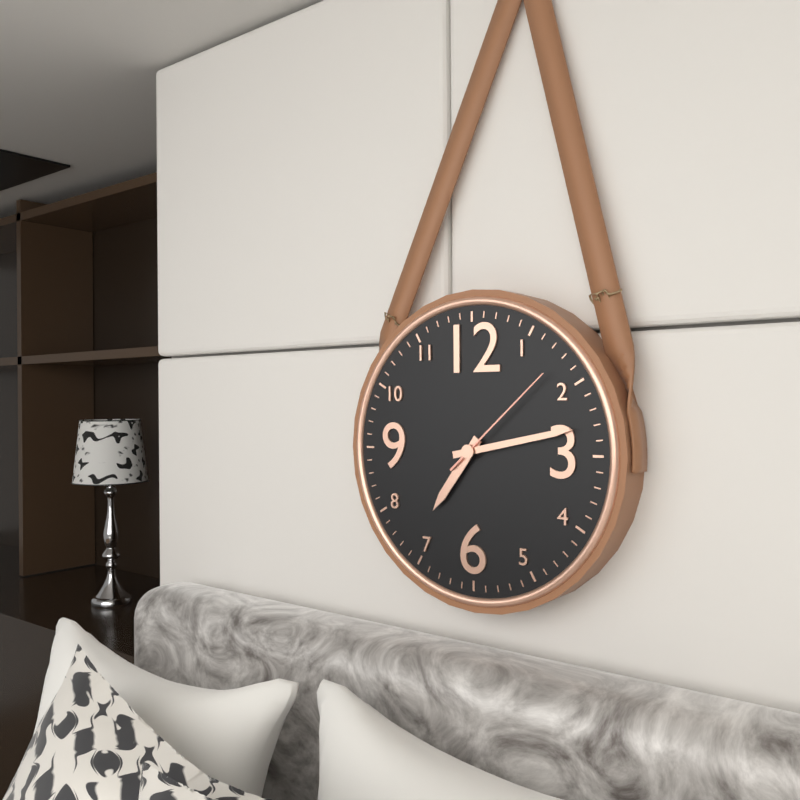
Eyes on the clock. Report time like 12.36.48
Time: 7.13.08
